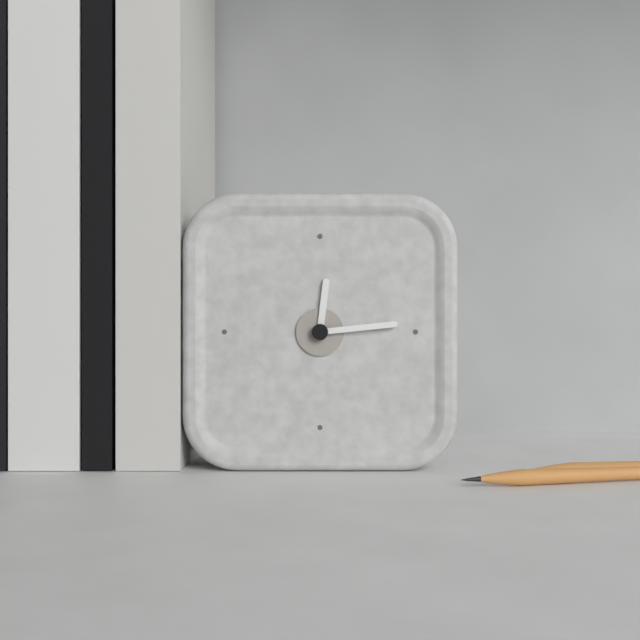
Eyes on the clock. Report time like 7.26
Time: 12.14
